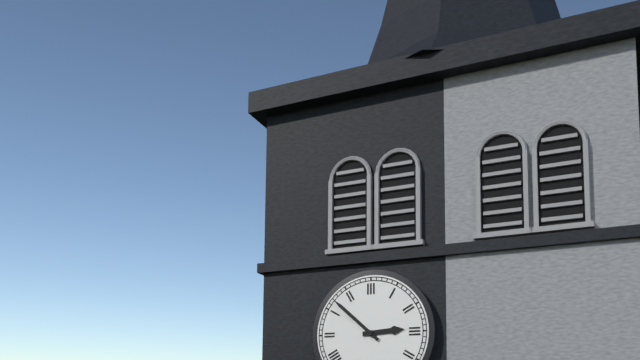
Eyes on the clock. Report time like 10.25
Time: 2.52
